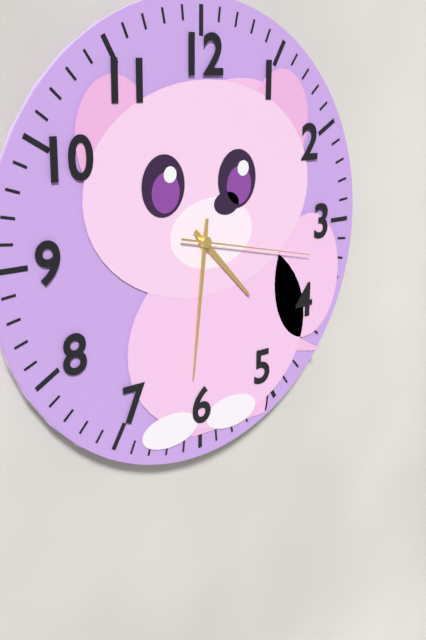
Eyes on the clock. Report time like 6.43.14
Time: 4.31.17
